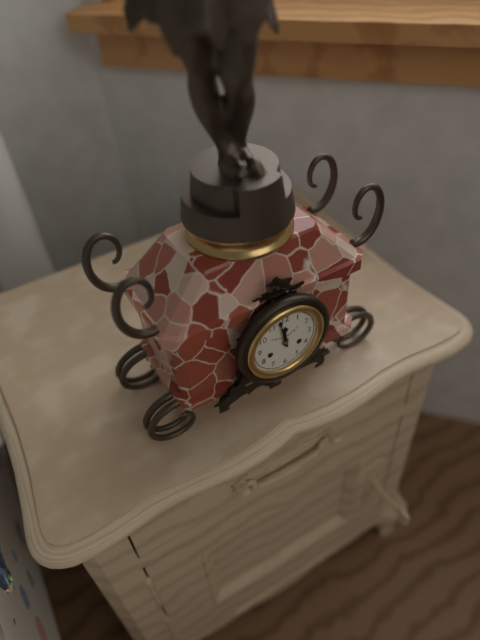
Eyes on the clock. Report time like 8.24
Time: 11.58
